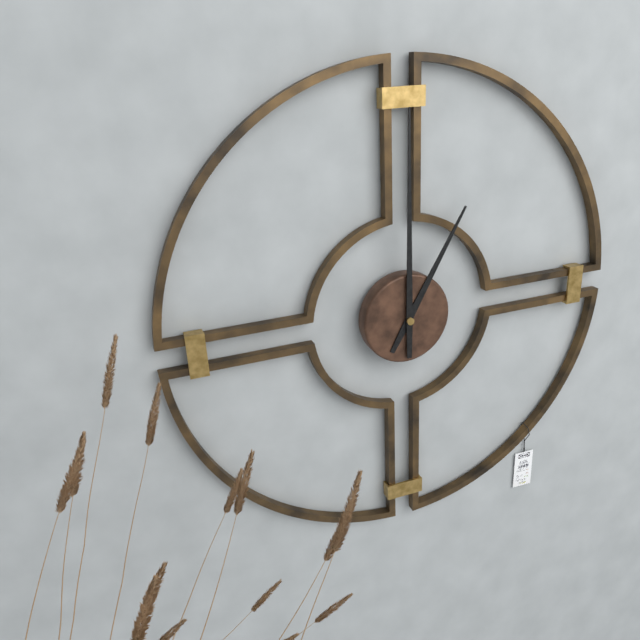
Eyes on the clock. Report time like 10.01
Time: 1.00
